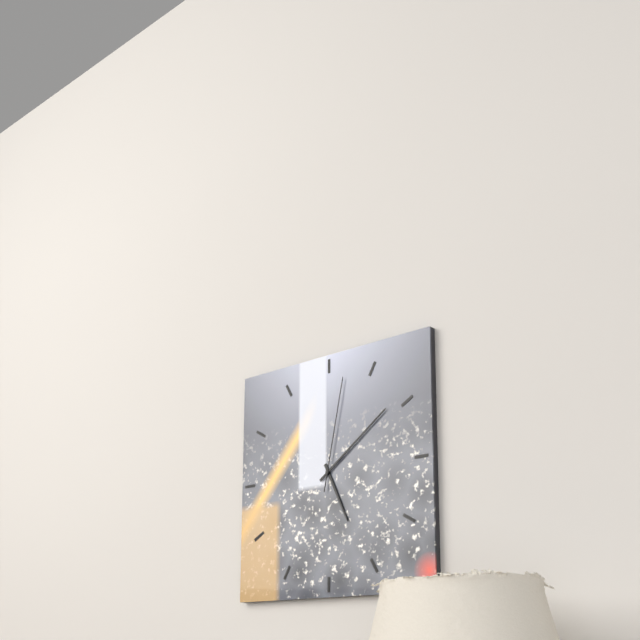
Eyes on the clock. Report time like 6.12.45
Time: 5.09.02
